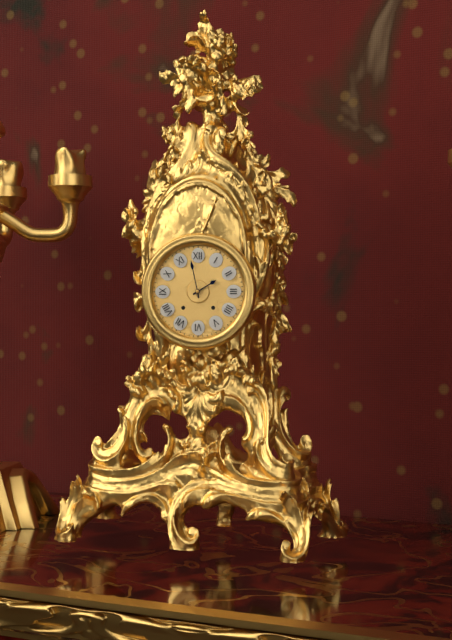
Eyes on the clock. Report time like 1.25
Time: 1.58
